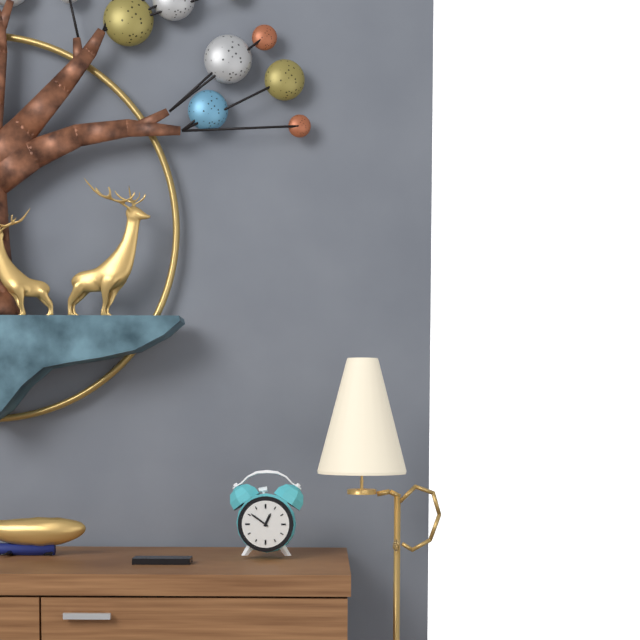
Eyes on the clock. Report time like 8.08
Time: 12.51
